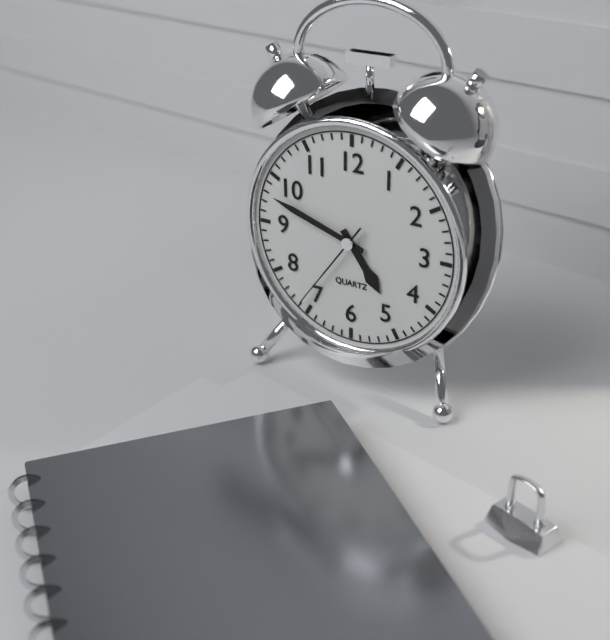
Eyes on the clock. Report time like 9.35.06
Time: 4.48.36
